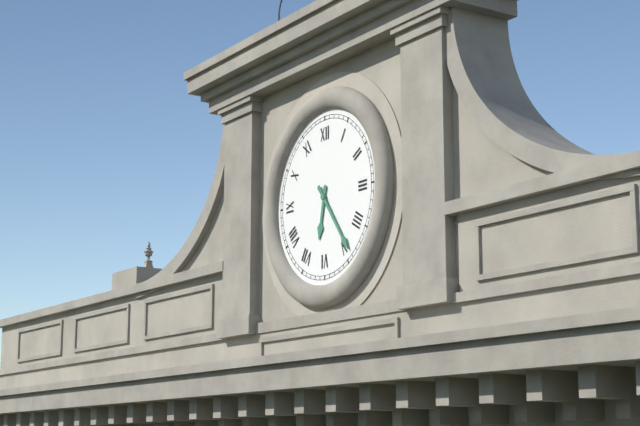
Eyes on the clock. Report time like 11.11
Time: 6.24
